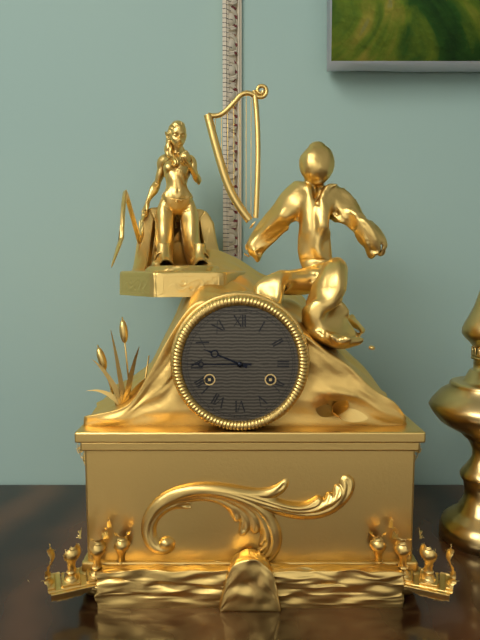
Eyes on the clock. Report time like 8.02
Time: 9.45
